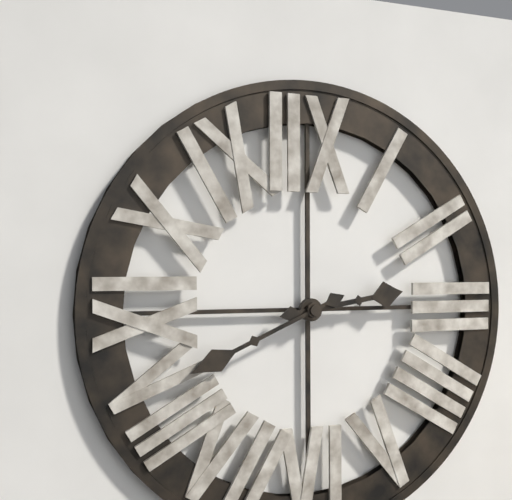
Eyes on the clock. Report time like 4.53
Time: 2.41
